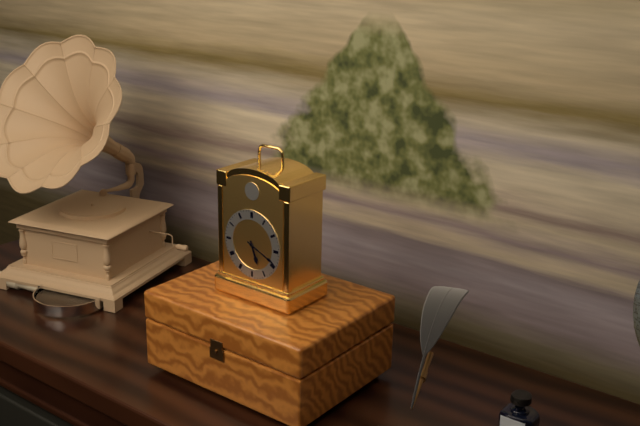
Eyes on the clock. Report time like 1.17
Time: 5.19
